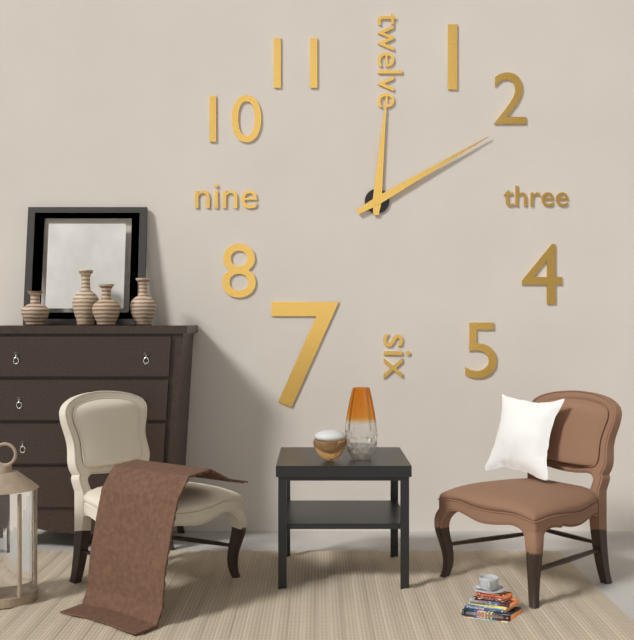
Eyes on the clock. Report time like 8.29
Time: 12.10
